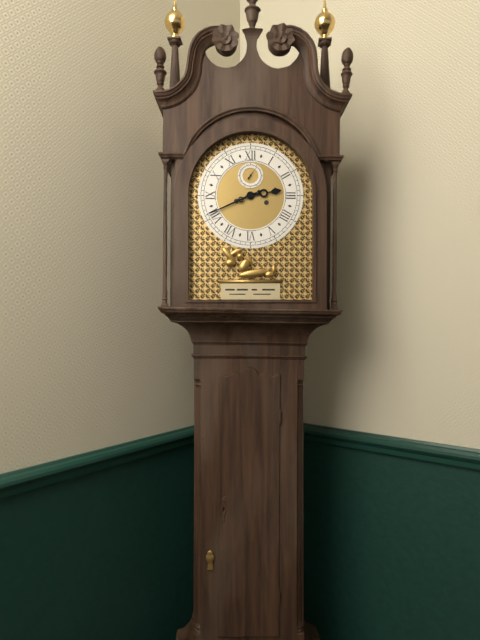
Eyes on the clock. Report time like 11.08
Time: 2.41
